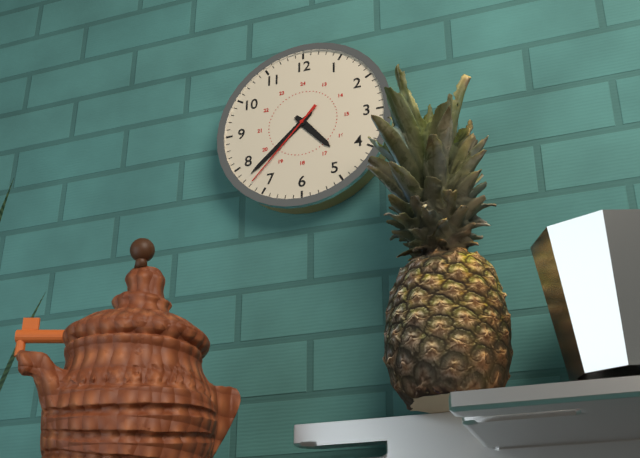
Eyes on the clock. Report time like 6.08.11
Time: 4.38.37
